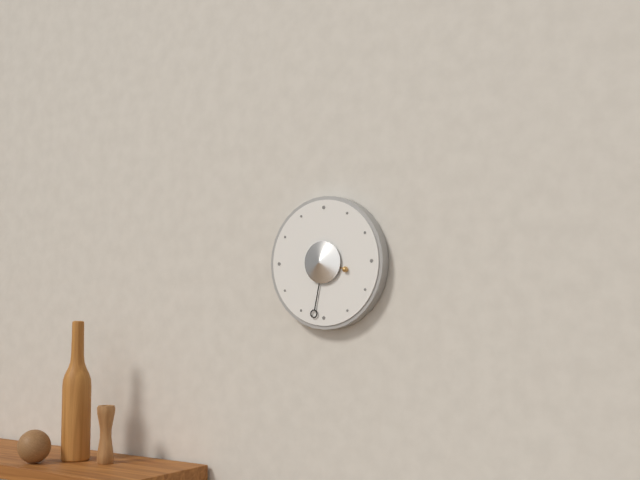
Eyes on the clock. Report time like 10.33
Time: 3.32
